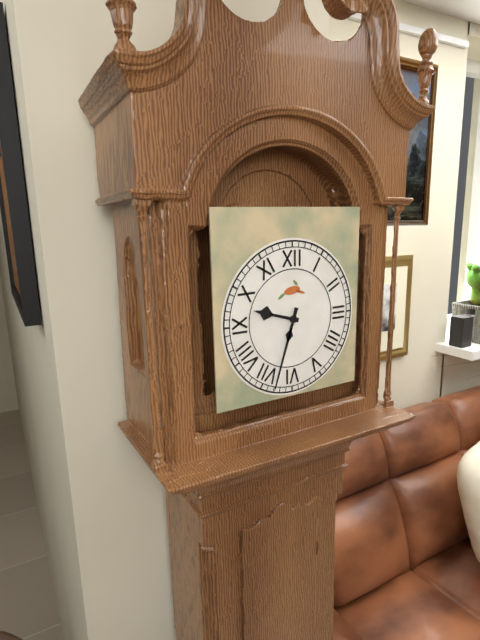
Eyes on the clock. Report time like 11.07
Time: 9.33
